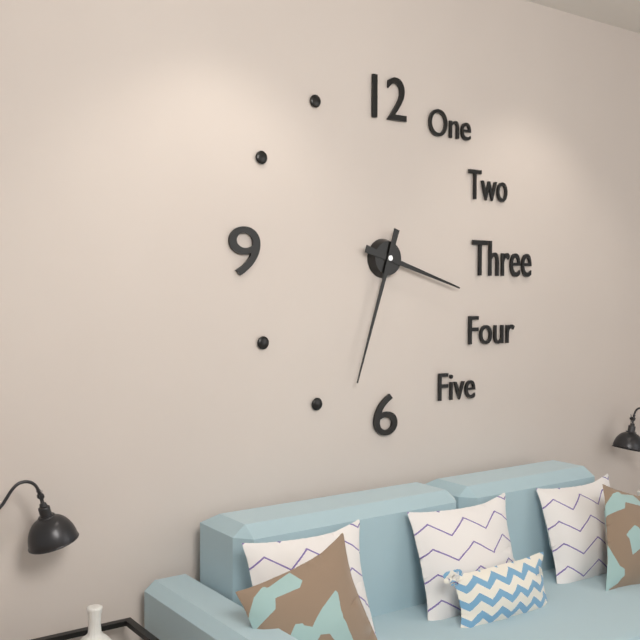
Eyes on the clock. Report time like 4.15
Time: 3.33
